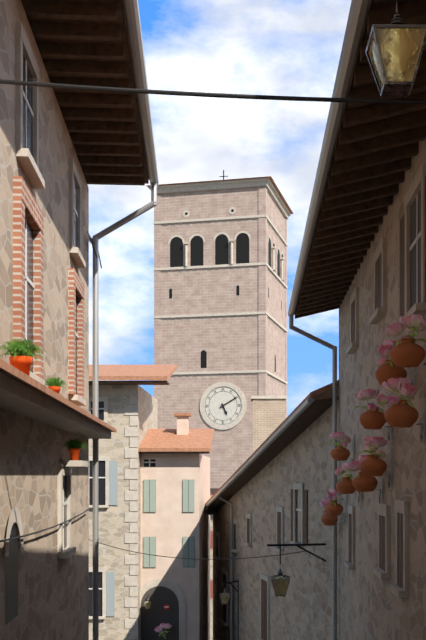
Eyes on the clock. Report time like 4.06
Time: 5.10
